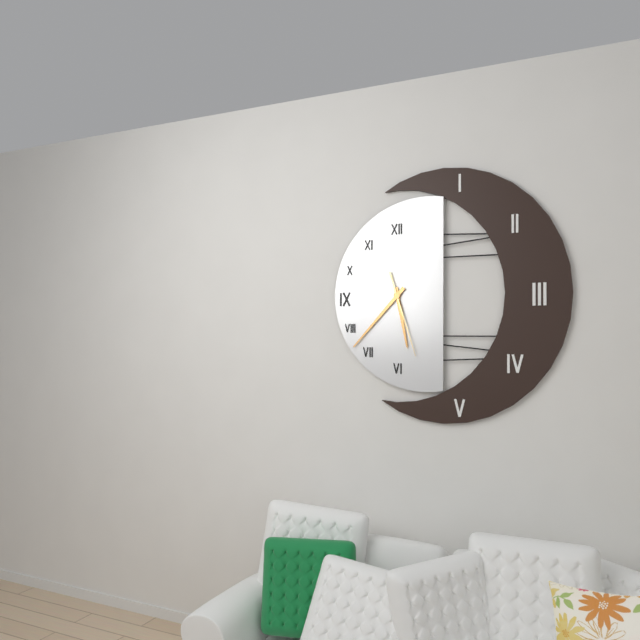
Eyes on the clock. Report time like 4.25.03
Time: 5.37.27
